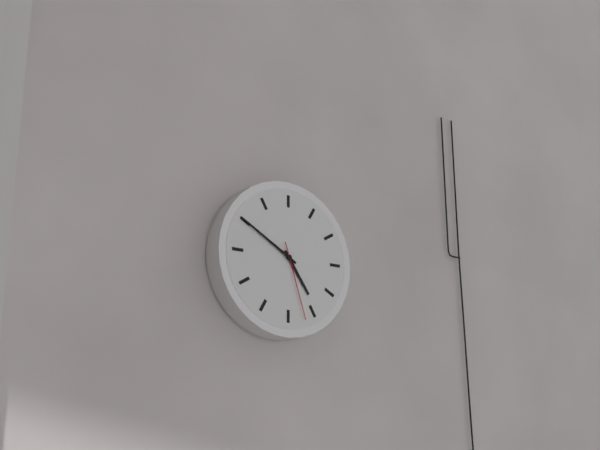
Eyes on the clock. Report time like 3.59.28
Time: 4.50.27
